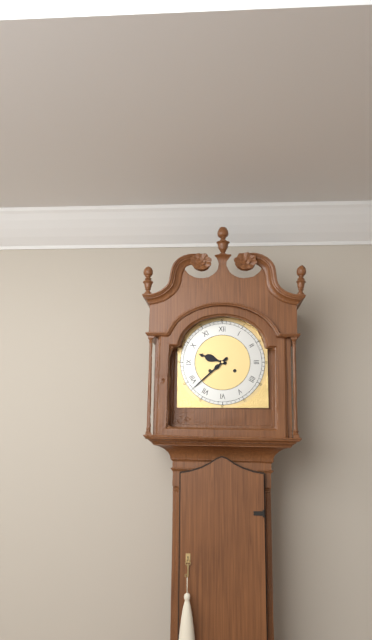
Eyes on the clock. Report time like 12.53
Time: 9.38
